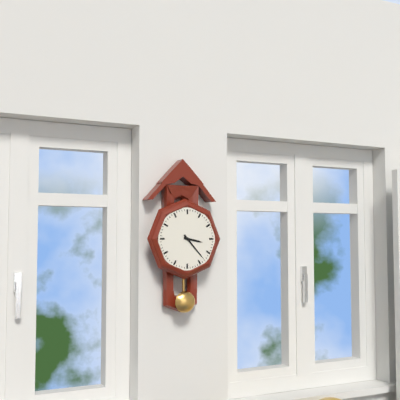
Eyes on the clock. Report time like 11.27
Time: 3.23
